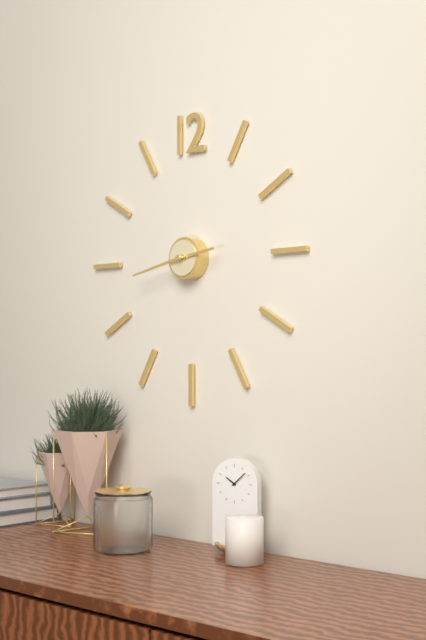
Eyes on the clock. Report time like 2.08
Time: 2.43
